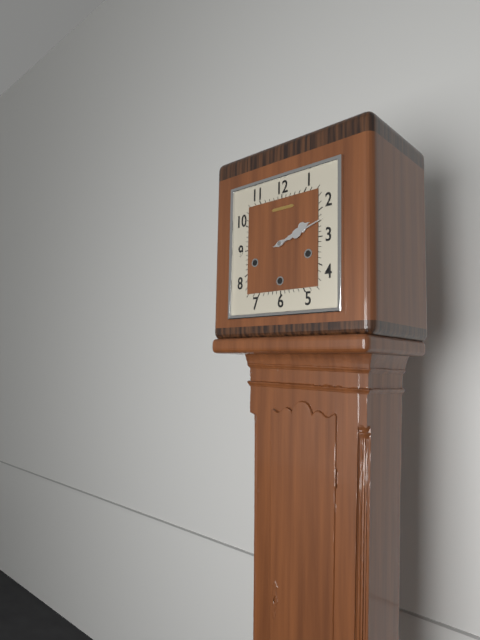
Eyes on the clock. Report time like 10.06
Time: 2.12
